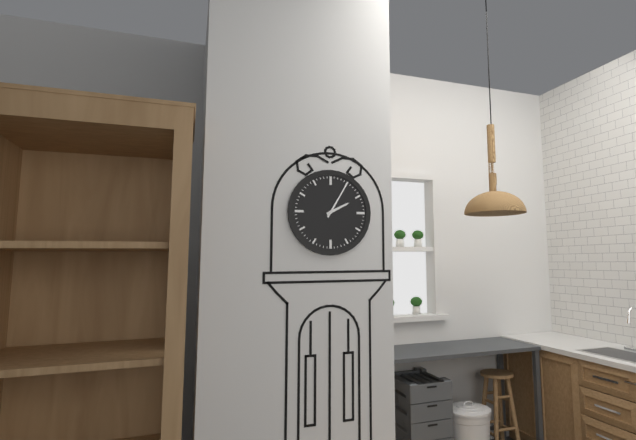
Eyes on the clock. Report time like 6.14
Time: 2.05
